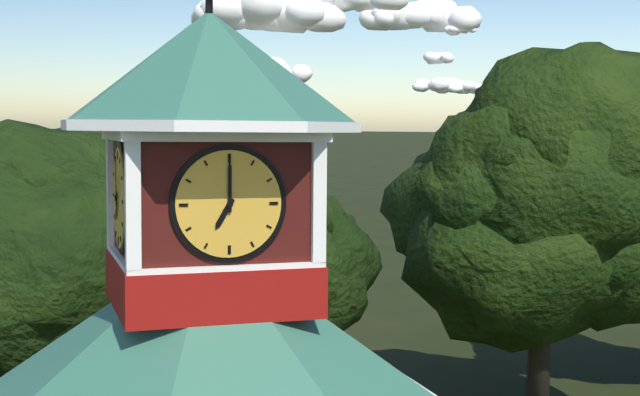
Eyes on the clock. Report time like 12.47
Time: 7.00
